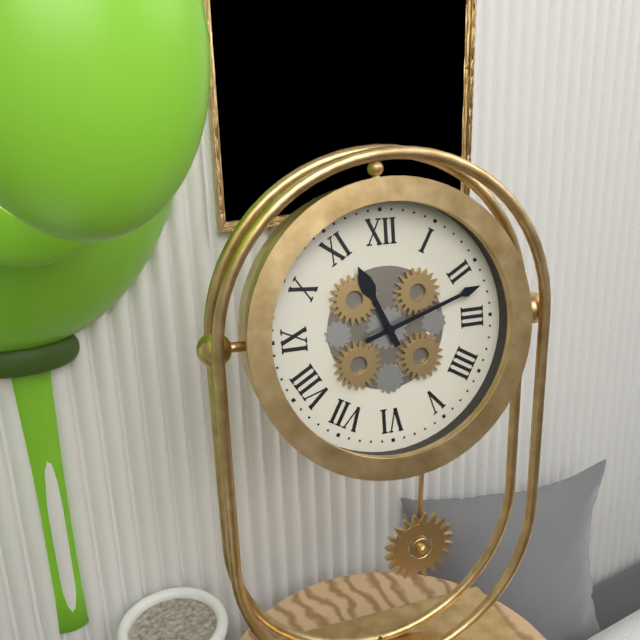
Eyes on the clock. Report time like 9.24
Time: 11.12
